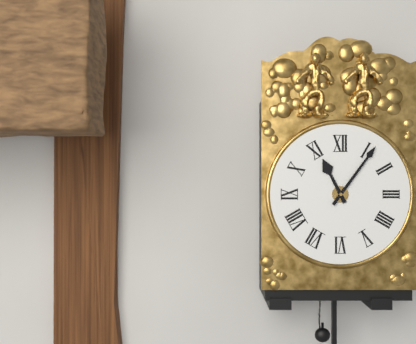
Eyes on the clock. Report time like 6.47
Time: 11.06
